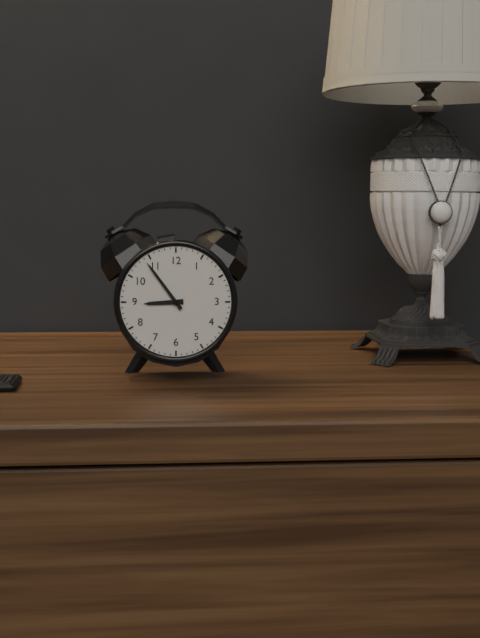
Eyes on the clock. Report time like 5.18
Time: 8.54
